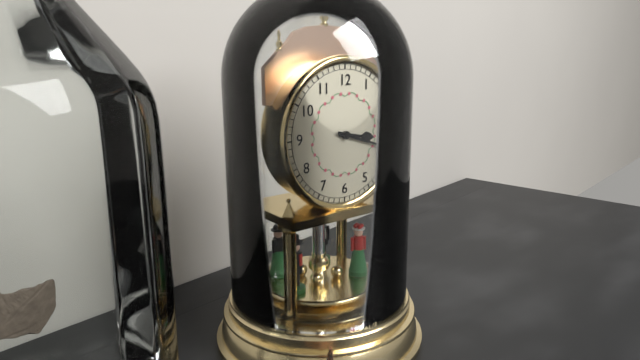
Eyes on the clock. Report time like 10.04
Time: 3.18
